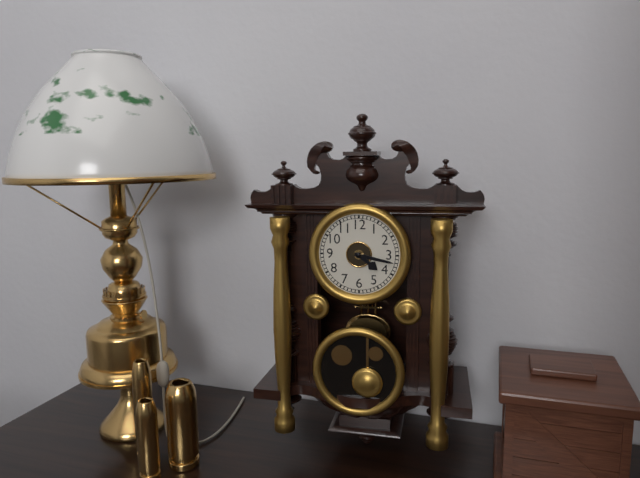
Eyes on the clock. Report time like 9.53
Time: 4.17
